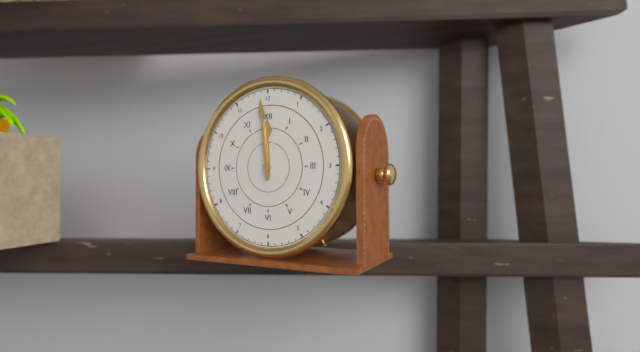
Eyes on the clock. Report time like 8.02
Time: 11.59
